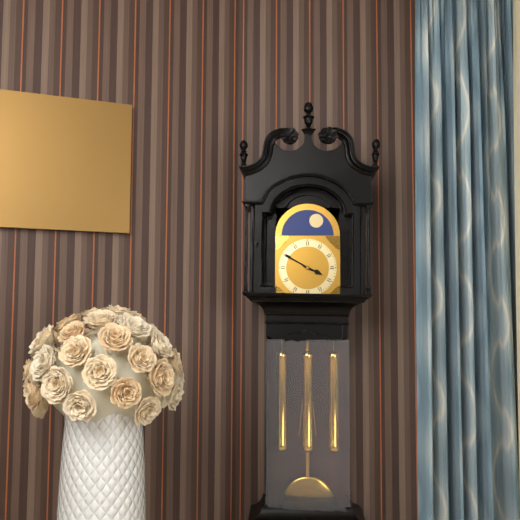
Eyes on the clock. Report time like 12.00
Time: 3.50
